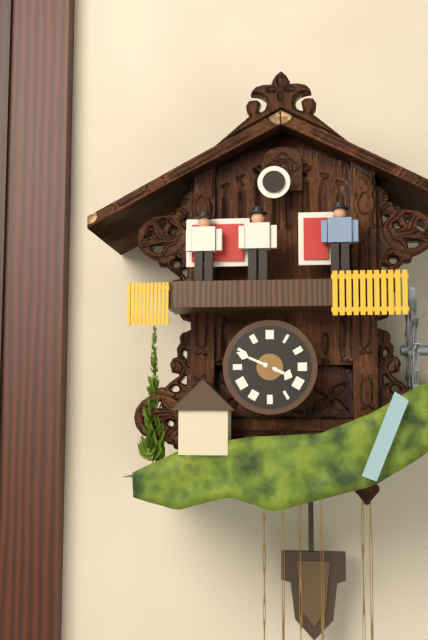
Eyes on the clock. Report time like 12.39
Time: 3.49
